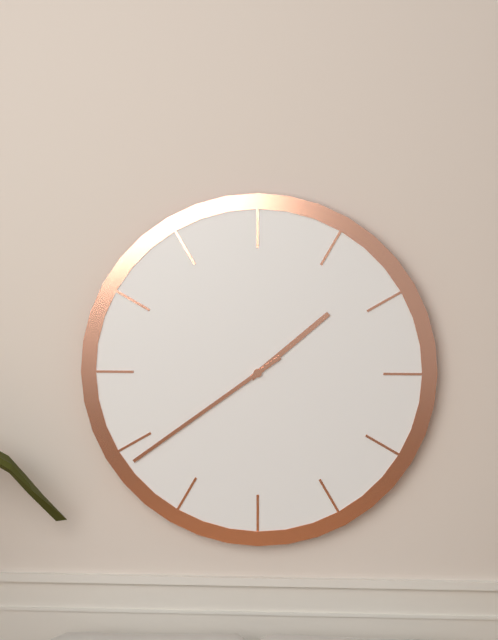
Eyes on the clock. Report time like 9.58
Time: 1.39
